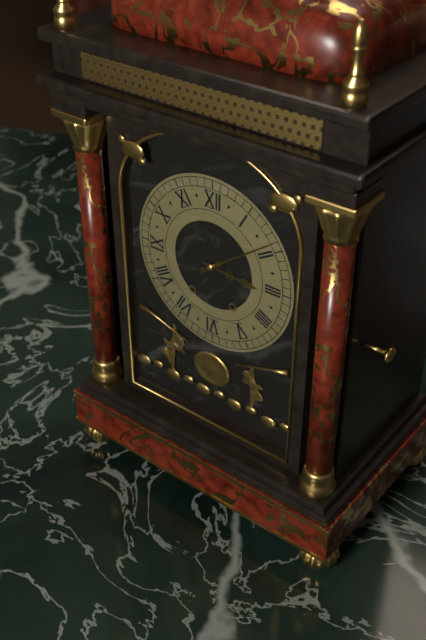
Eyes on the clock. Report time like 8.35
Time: 3.09
